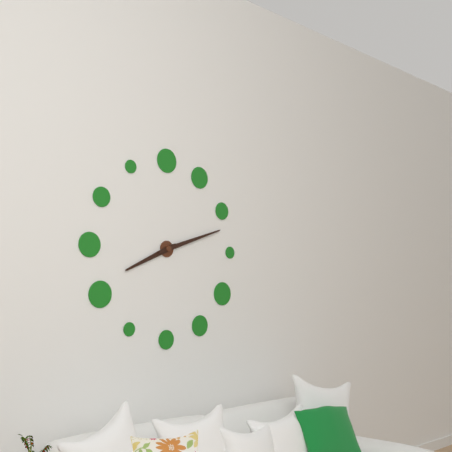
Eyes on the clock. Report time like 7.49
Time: 8.12
